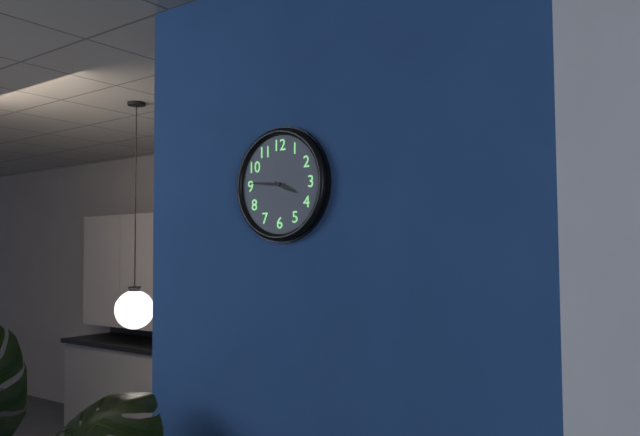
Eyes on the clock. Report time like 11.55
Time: 3.46
